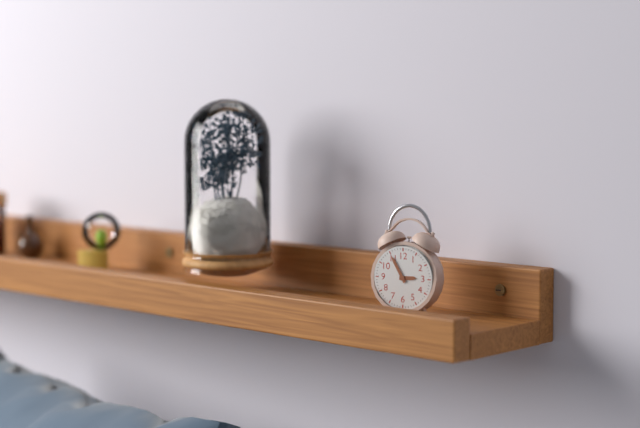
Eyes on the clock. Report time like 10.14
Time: 2.55
